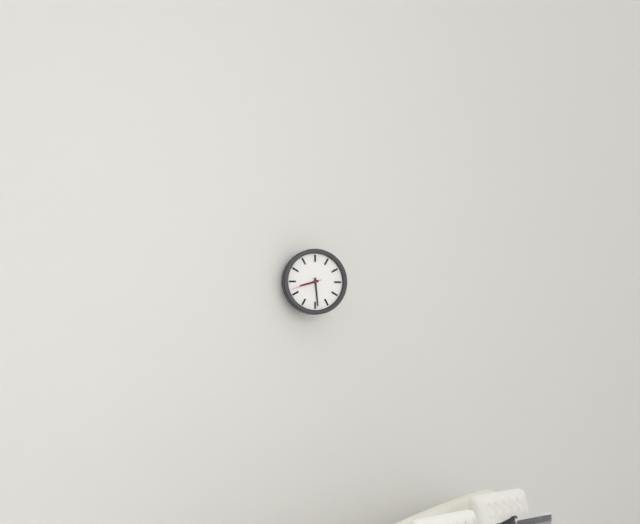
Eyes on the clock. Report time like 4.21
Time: 8.29
